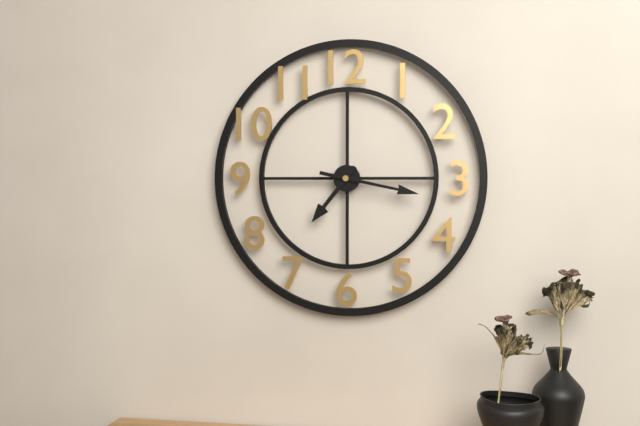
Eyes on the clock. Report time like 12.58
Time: 7.17
